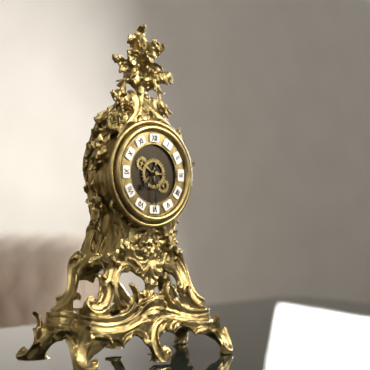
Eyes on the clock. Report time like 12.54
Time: 7.30
